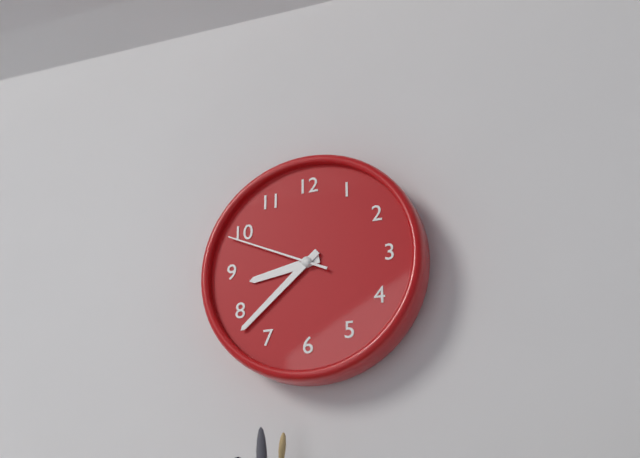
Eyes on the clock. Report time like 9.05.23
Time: 8.38.49
